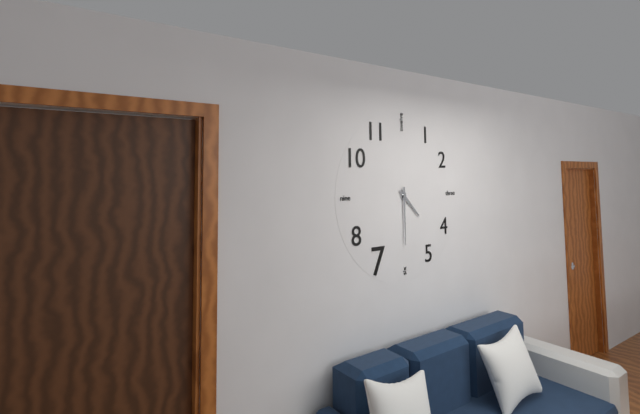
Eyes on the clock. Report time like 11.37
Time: 4.30
